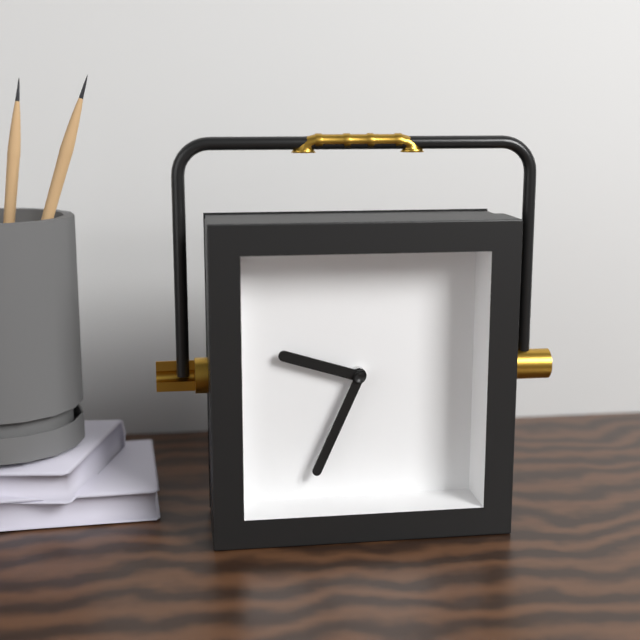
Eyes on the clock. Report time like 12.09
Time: 9.34
